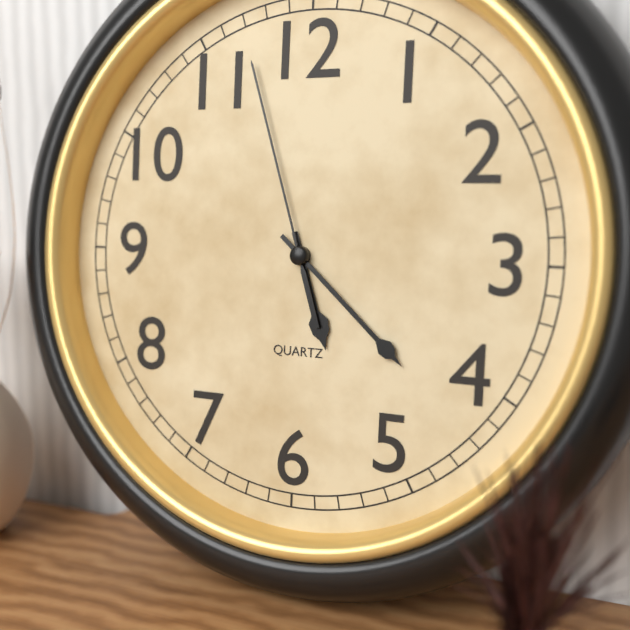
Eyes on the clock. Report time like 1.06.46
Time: 5.22.57
